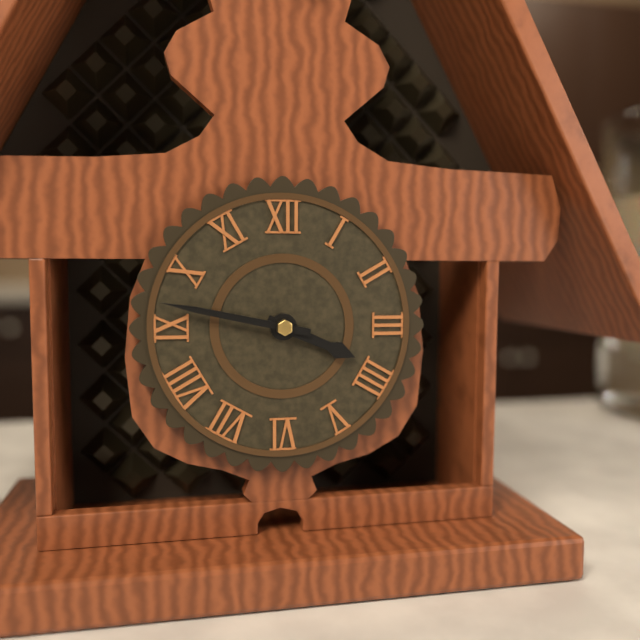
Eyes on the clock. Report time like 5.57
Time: 3.47
